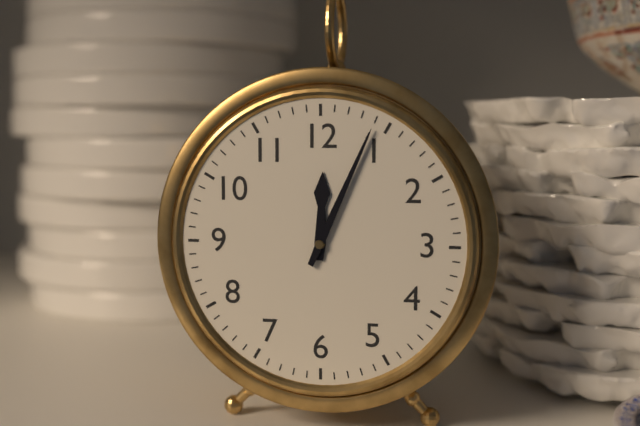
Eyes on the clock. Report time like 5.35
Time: 12.04
